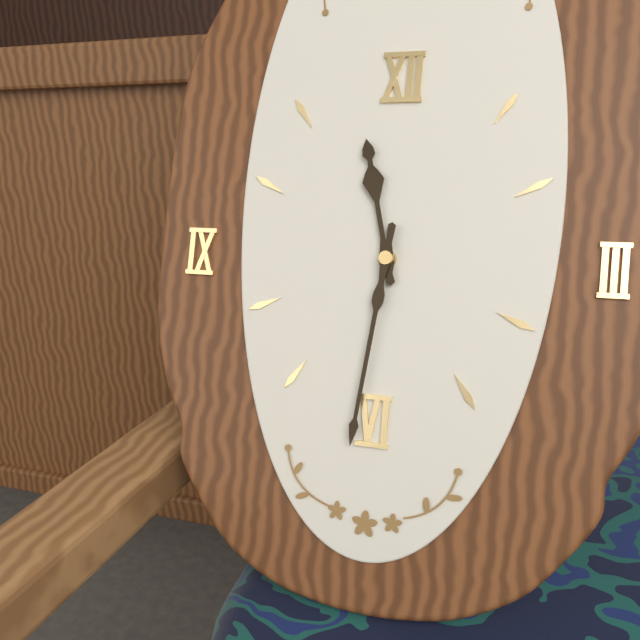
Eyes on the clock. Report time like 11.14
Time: 11.31
